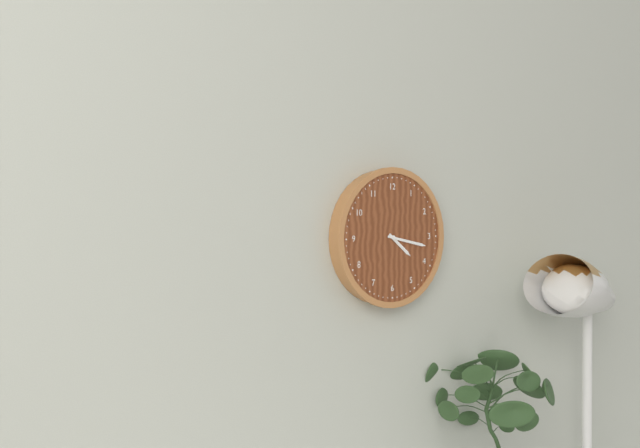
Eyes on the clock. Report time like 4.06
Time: 4.17
